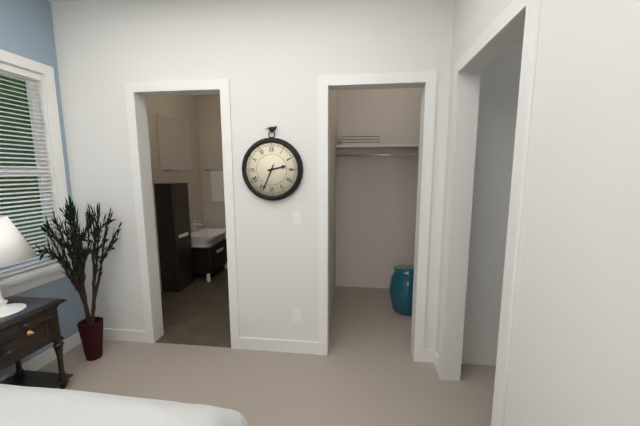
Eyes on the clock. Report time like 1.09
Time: 2.34
